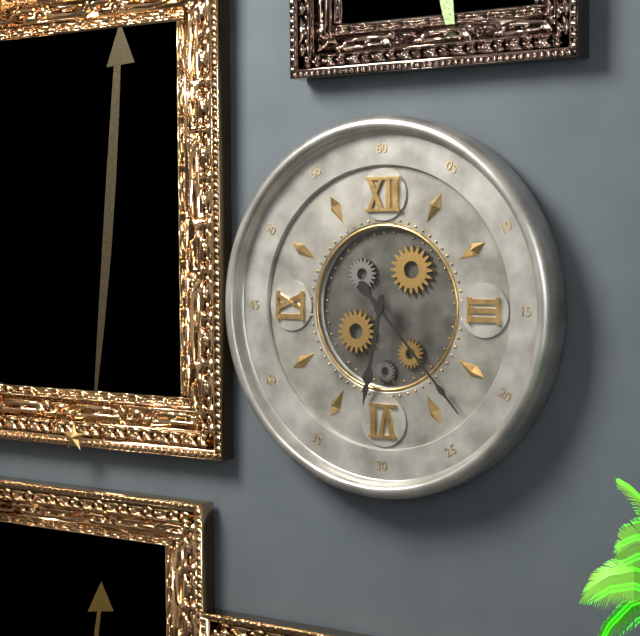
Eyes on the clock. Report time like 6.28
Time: 6.23
